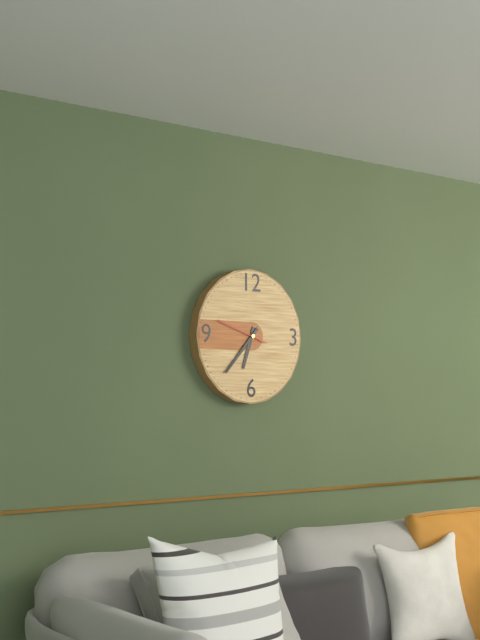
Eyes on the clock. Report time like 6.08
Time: 6.37
